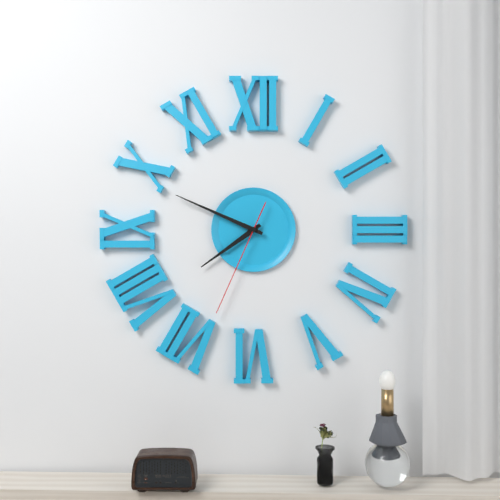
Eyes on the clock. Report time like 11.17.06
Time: 7.49.34
